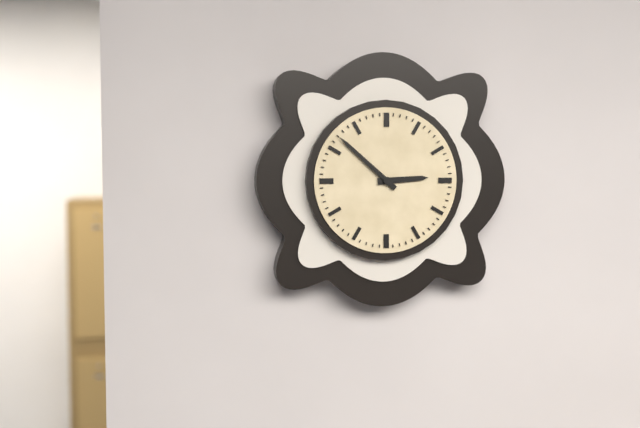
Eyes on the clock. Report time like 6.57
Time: 2.52
